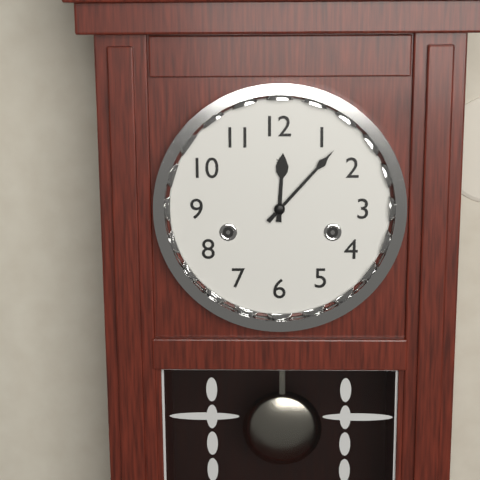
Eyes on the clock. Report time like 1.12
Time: 12.07
